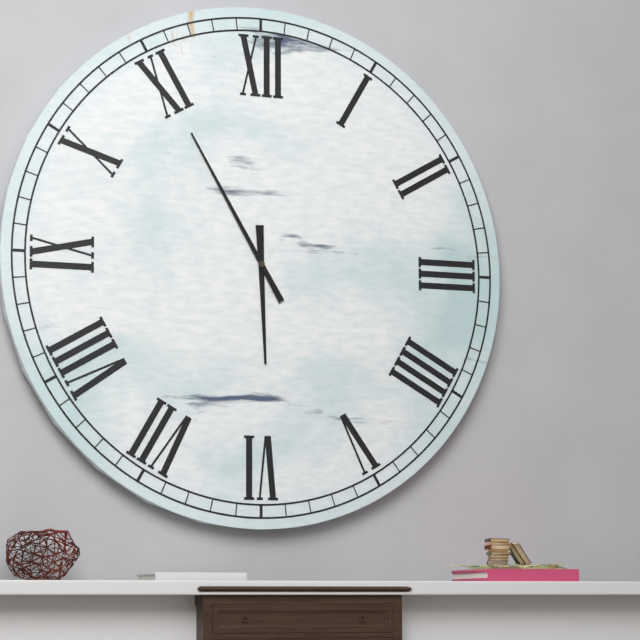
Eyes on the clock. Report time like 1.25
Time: 5.55
